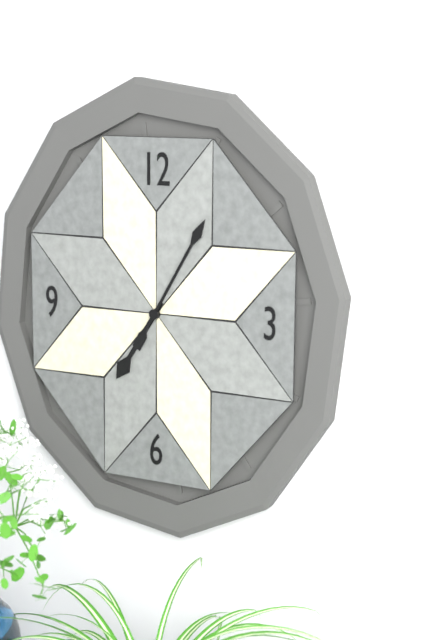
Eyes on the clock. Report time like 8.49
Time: 7.05
